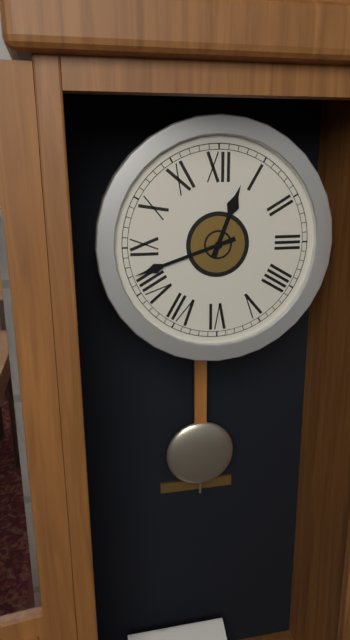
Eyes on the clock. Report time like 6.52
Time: 12.42
